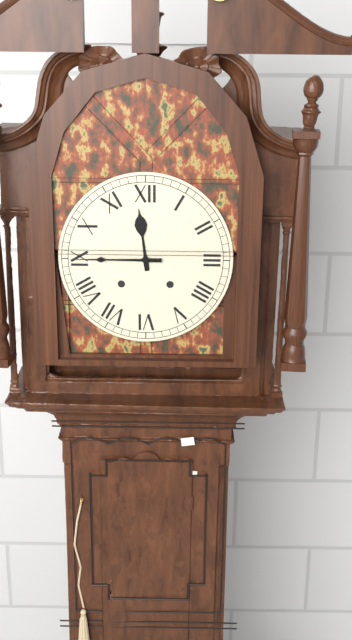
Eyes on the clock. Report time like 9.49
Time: 11.45
